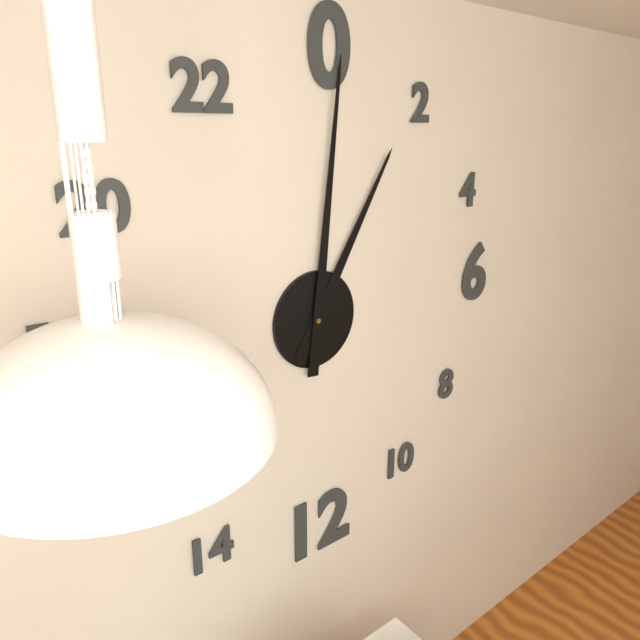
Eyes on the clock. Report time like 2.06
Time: 1.01
